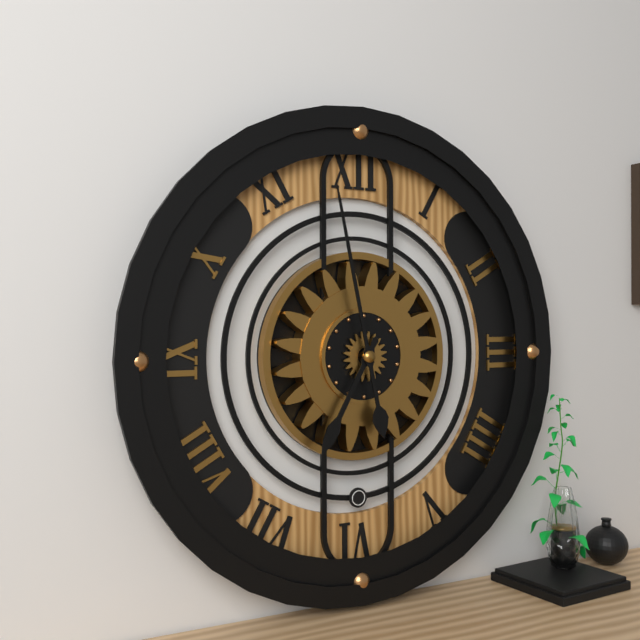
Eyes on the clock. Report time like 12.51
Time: 6.58
